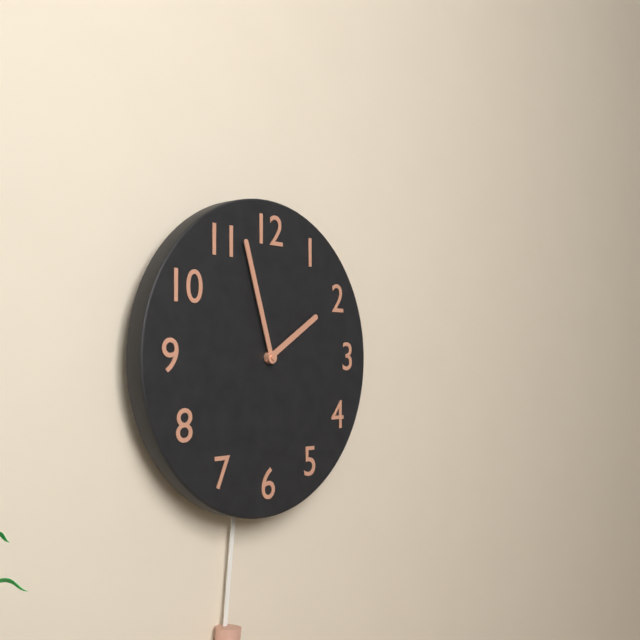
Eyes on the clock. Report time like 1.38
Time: 1.57
